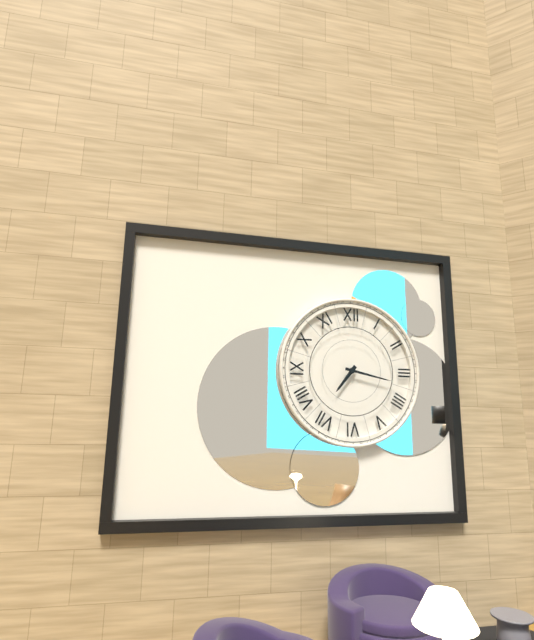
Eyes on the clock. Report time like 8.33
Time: 7.17
